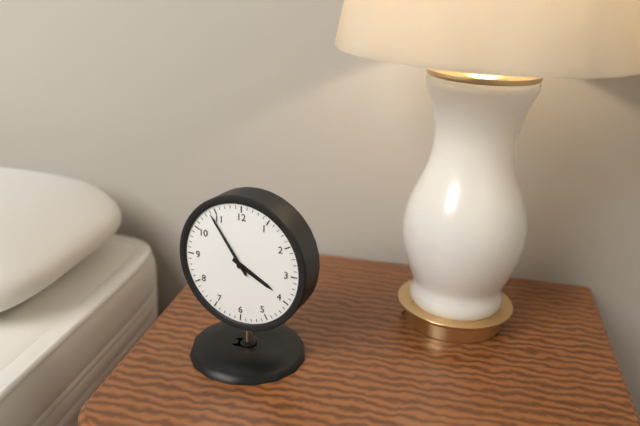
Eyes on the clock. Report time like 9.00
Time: 3.54
